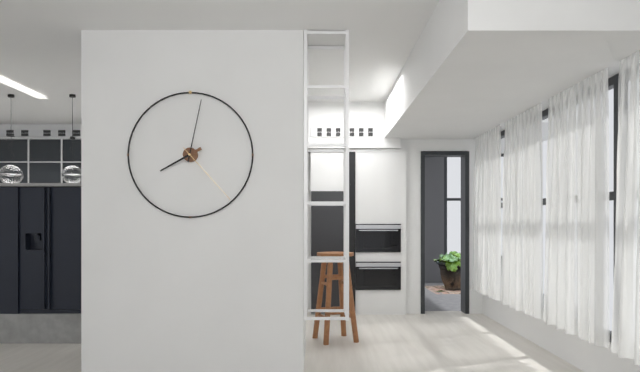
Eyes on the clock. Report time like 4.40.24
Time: 8.02.23
